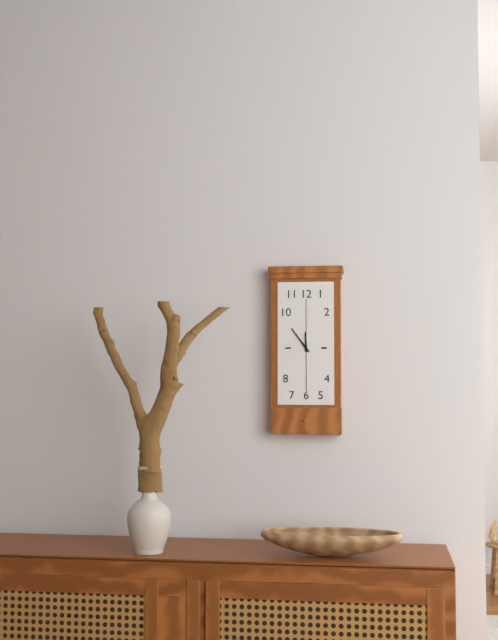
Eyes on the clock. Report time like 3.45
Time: 11.54
